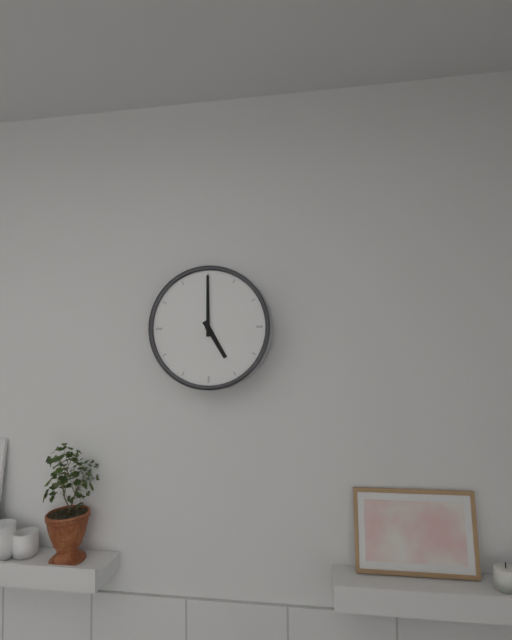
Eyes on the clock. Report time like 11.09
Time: 5.00
